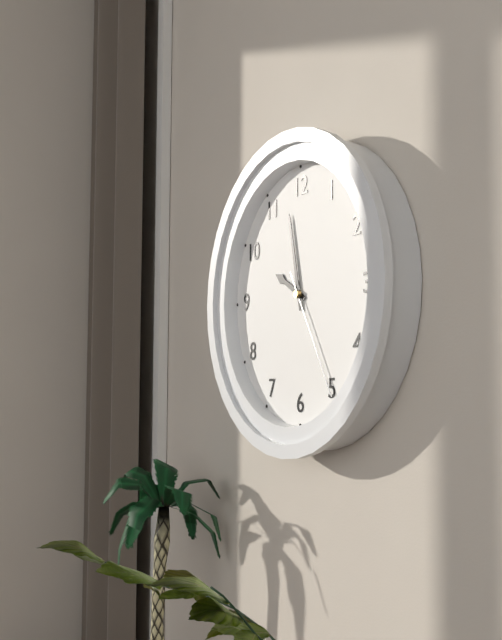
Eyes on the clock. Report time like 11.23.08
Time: 9.58.25
